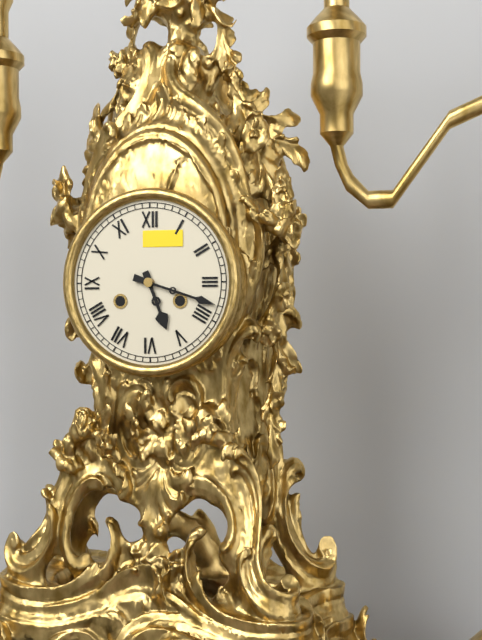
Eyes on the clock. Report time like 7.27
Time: 5.18
